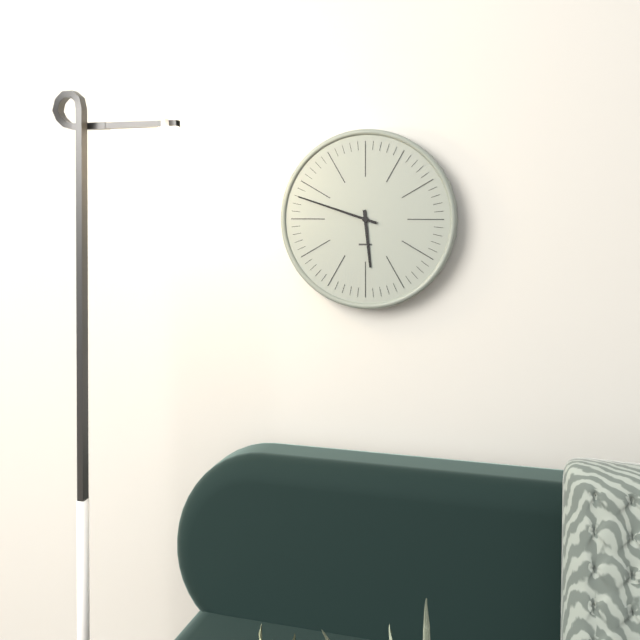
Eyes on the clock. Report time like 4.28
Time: 5.48
